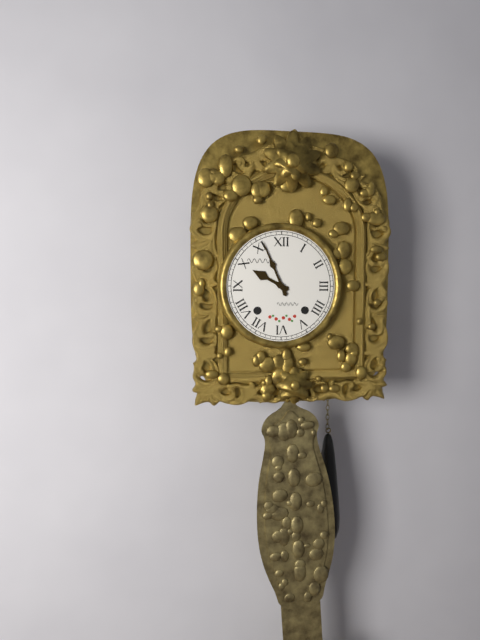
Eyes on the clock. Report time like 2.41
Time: 9.56
